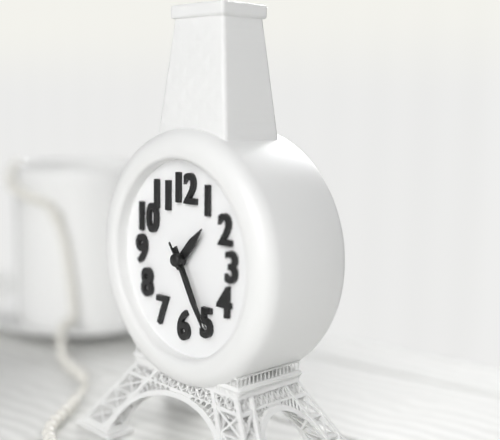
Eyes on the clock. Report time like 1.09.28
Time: 1.25.24
